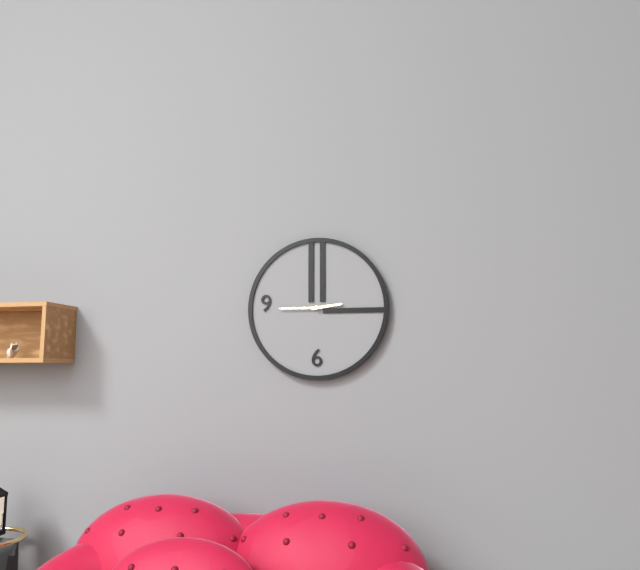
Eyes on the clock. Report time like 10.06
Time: 2.45
